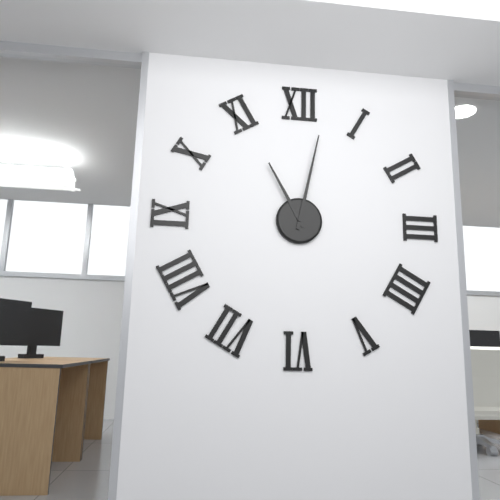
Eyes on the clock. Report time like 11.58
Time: 11.02
